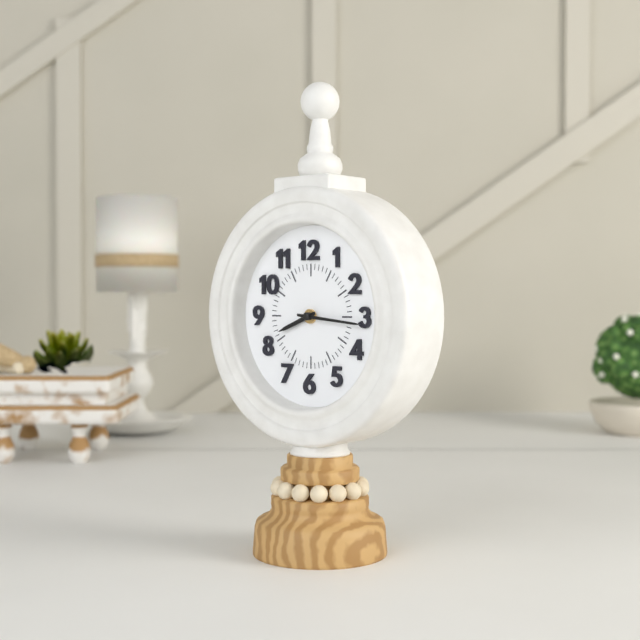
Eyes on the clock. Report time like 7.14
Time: 8.16
